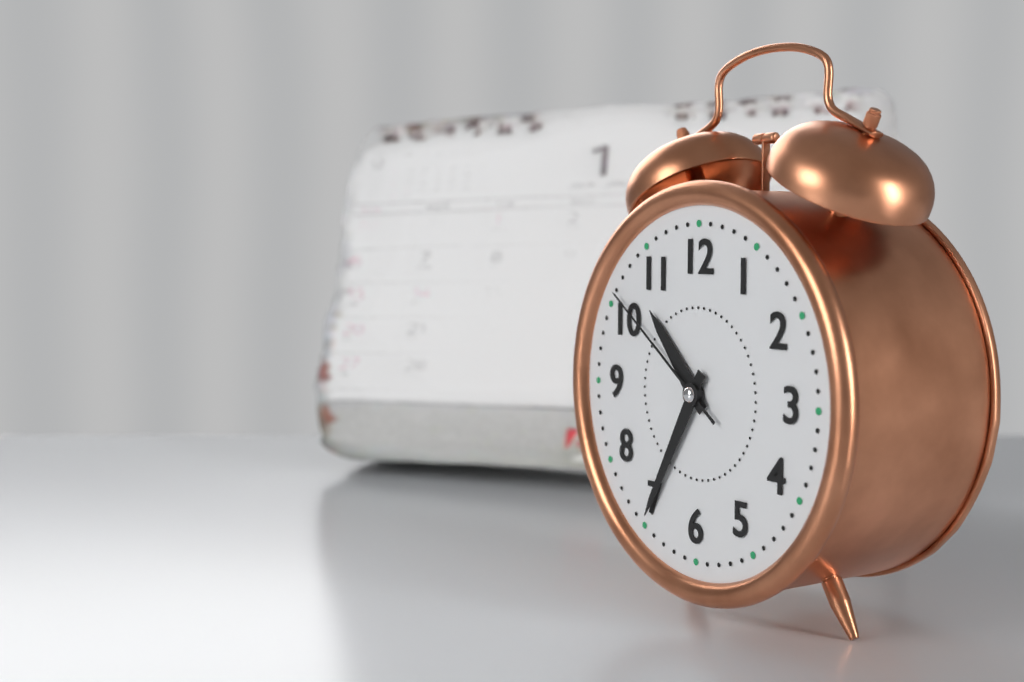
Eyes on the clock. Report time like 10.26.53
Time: 10.35.51
